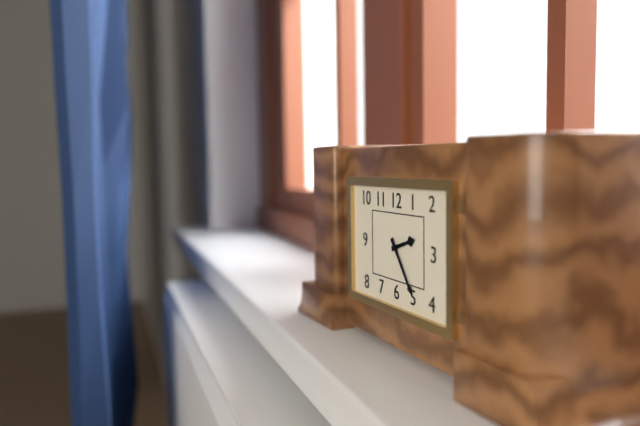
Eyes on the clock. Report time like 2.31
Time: 2.24
